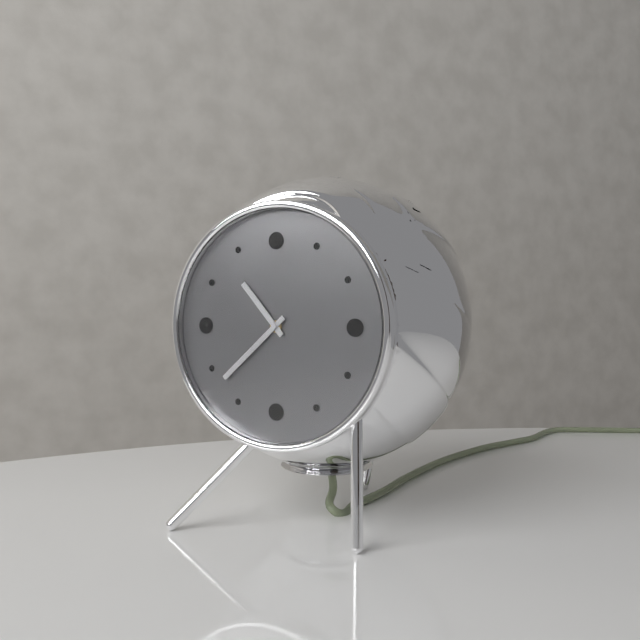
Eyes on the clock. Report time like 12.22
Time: 10.38
